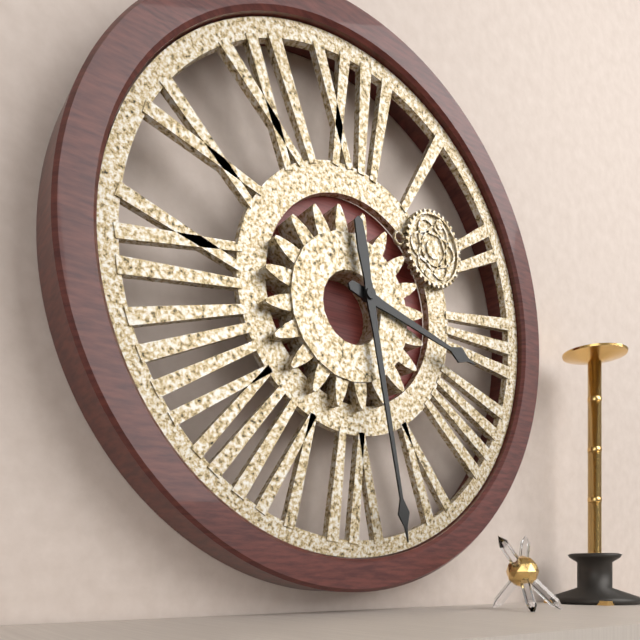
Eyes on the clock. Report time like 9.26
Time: 3.28
